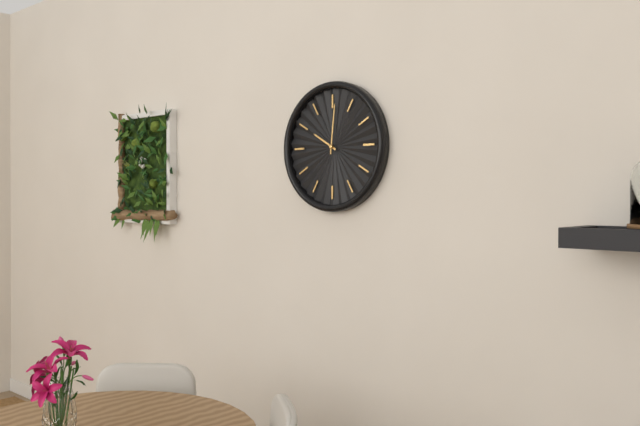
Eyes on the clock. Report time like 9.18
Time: 10.01
